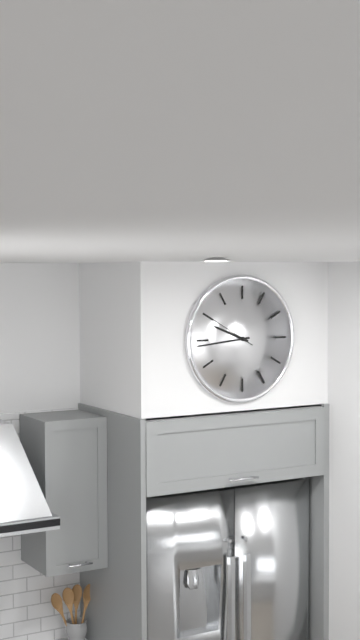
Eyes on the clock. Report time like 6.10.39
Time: 9.44.50
